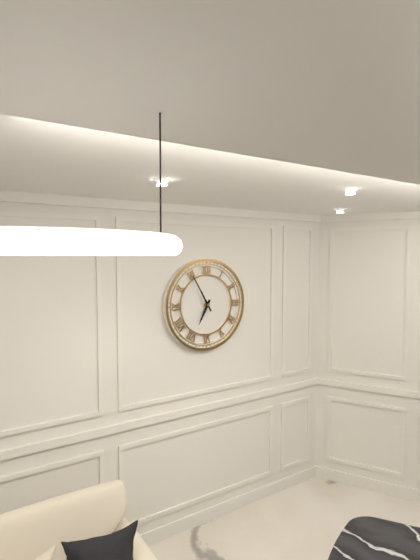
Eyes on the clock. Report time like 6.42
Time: 6.55
